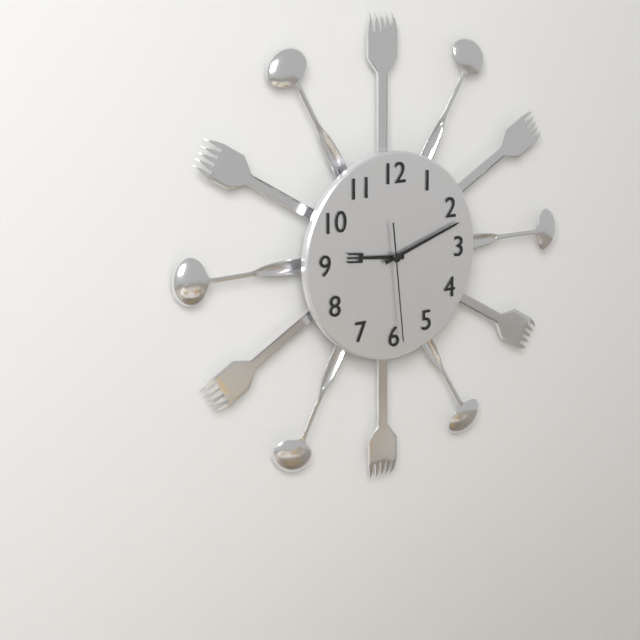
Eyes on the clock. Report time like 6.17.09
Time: 9.12.29
